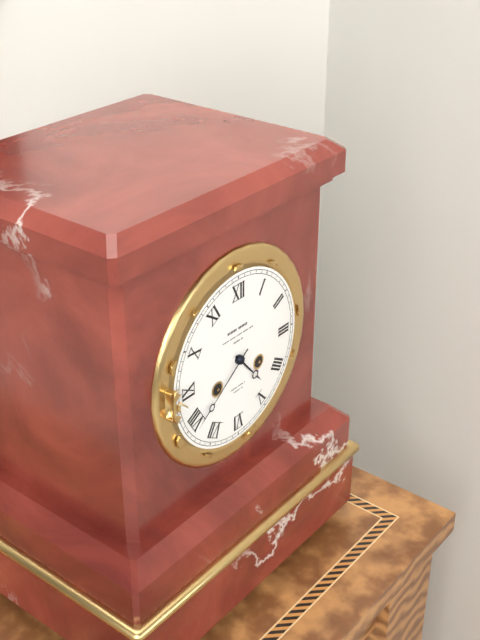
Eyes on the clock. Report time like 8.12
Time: 4.39
